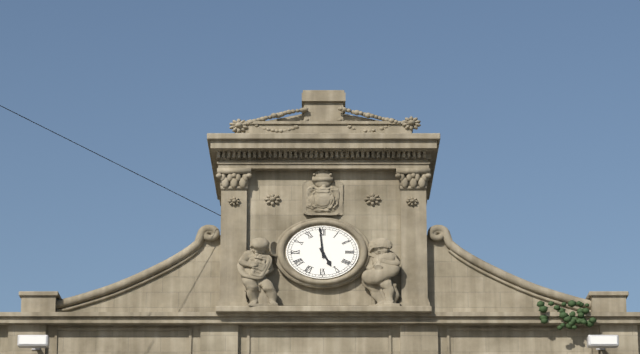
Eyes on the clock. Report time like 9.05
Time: 4.59
